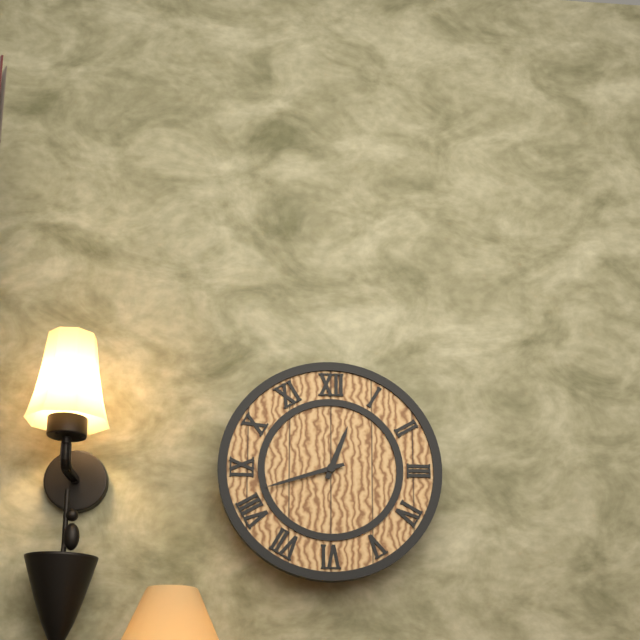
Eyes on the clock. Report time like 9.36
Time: 12.42
